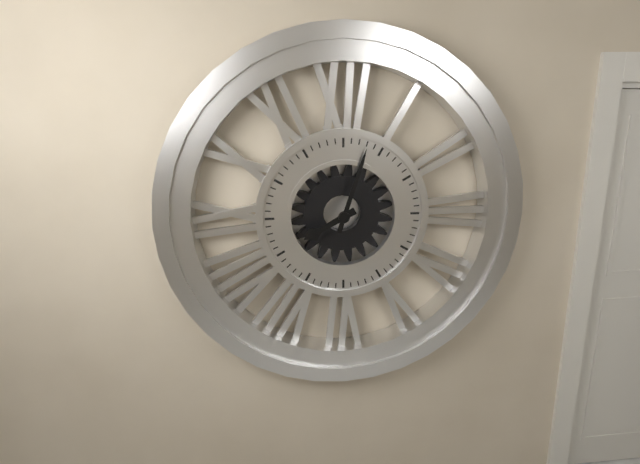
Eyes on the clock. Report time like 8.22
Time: 8.03
